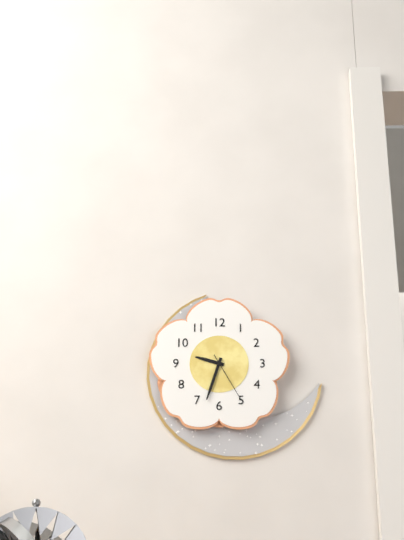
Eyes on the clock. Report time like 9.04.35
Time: 9.33.25
